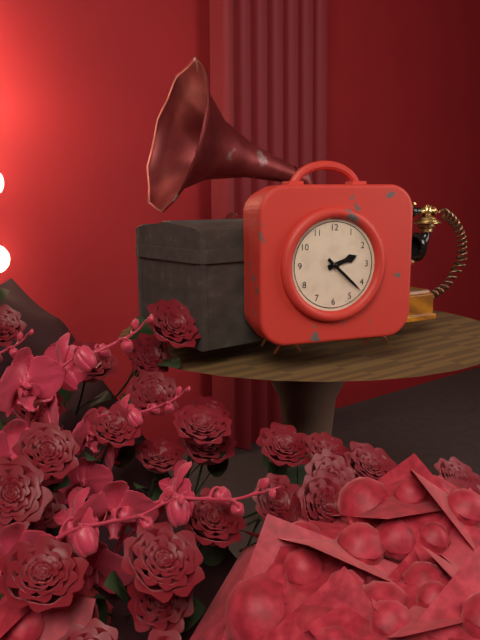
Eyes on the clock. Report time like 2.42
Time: 2.22
